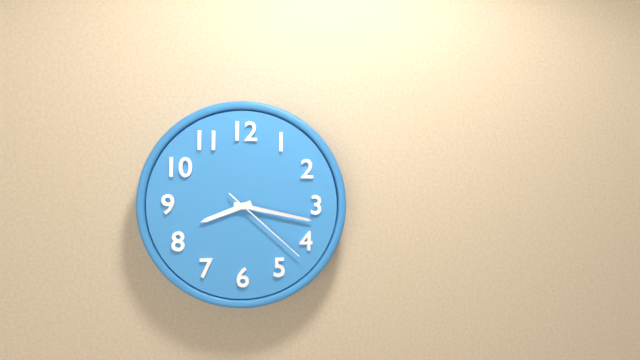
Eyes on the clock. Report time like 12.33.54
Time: 8.17.22
